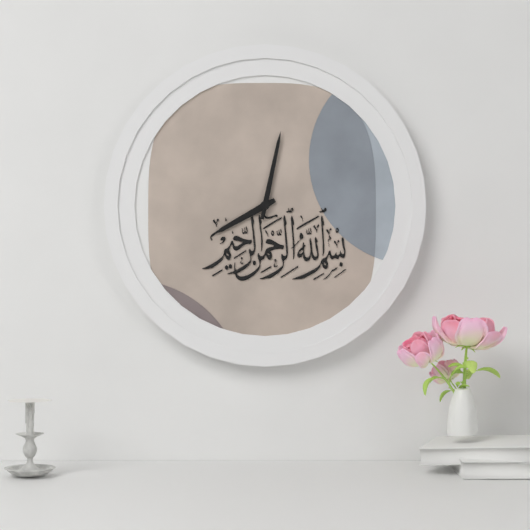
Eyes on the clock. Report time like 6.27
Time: 8.02
